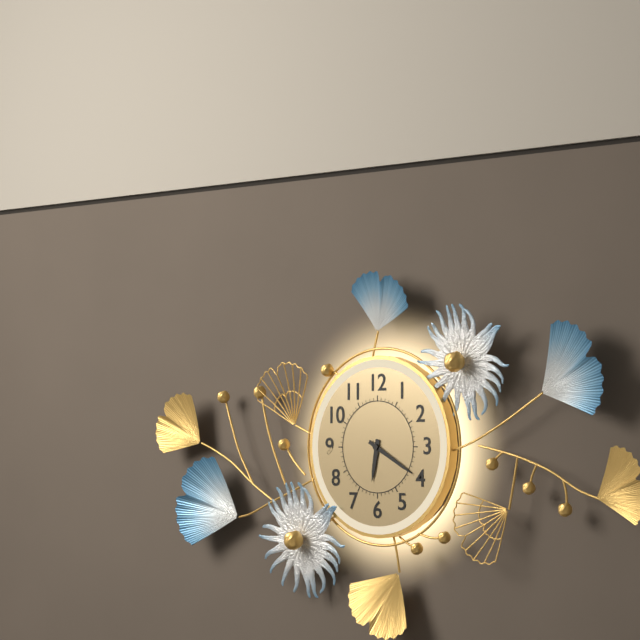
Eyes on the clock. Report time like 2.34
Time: 6.20
